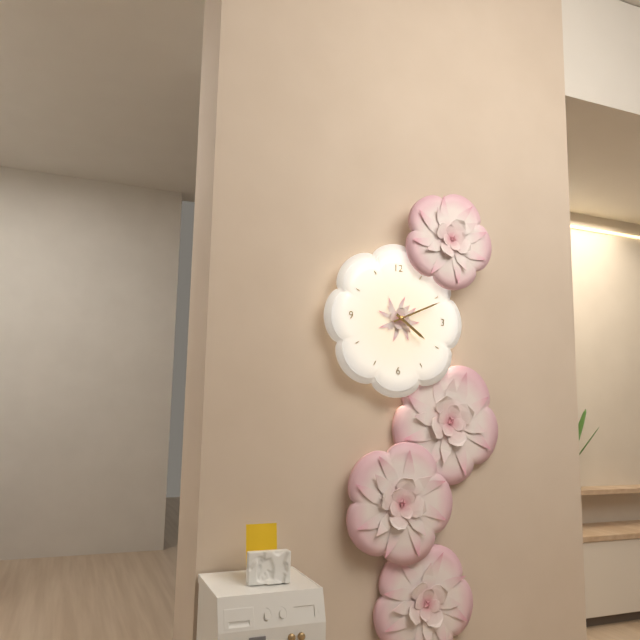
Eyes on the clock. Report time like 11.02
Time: 4.11
